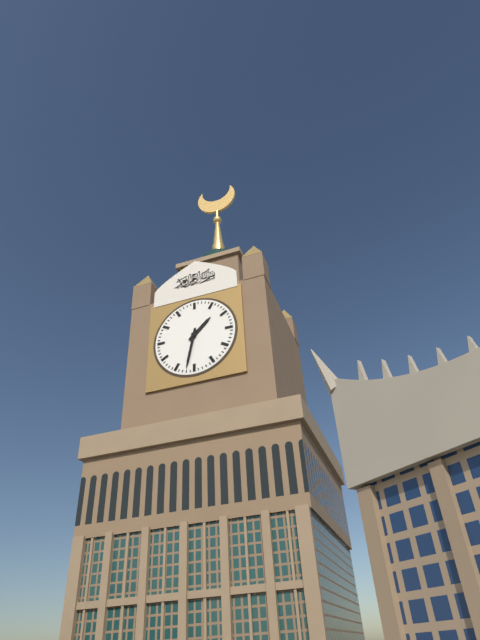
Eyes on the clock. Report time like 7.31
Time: 1.32
